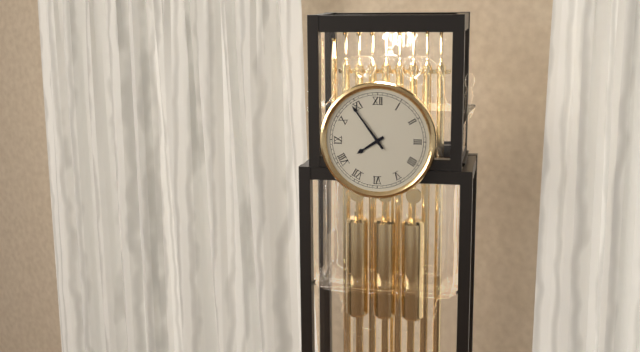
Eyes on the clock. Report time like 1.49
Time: 7.54
